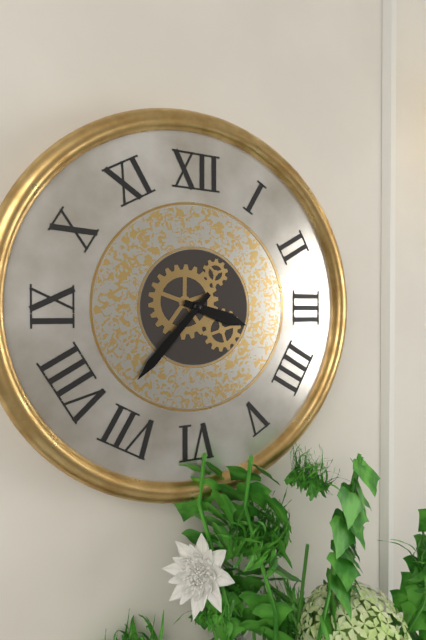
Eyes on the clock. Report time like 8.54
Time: 3.37
